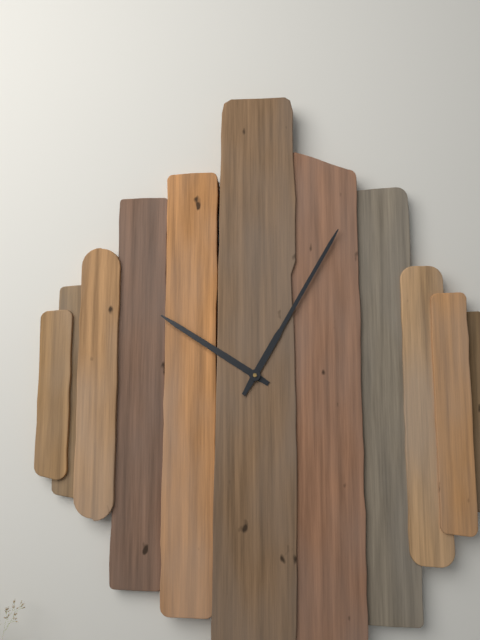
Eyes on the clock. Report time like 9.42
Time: 10.05
